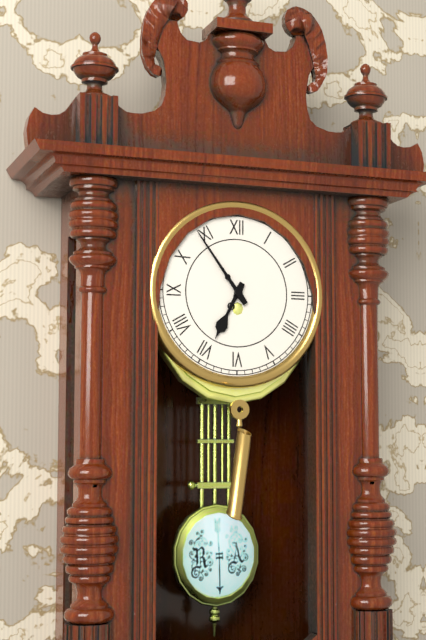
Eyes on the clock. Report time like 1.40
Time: 6.54
